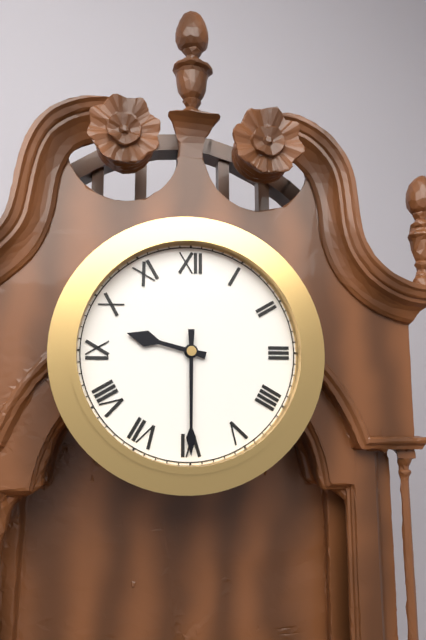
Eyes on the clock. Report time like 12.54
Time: 9.30
